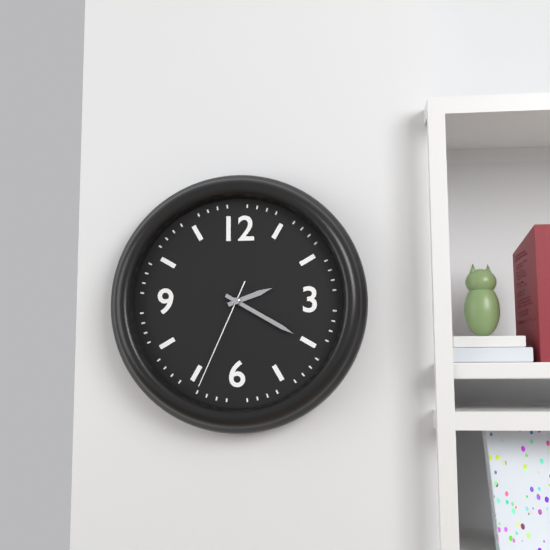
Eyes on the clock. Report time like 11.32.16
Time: 2.20.34
